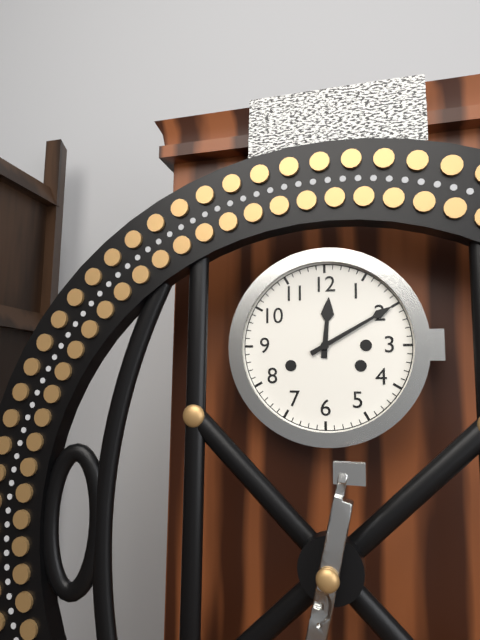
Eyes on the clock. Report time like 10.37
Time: 12.10
